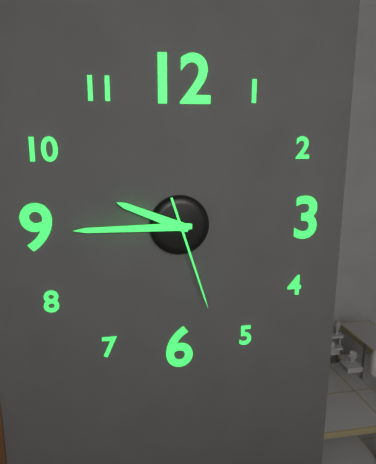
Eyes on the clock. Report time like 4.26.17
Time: 9.45.27
